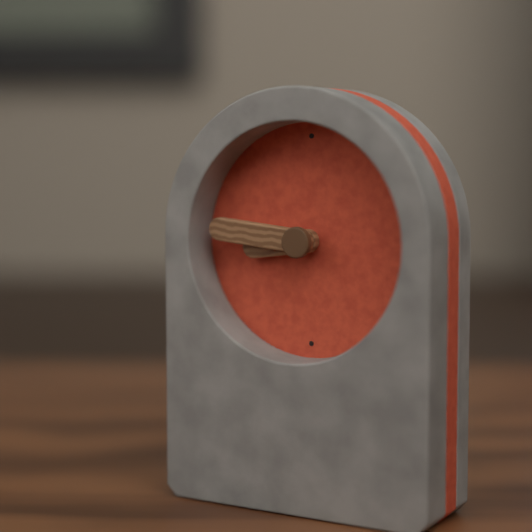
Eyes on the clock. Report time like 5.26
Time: 8.46
